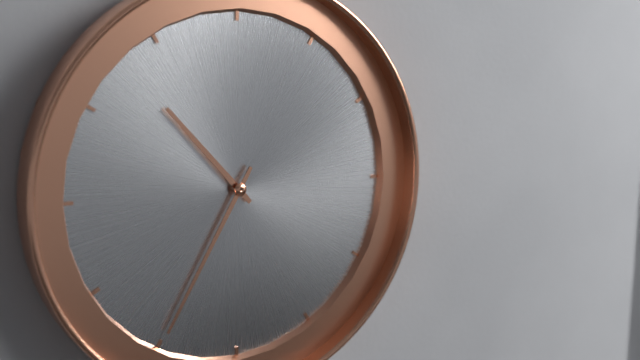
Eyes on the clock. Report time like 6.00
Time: 10.35
